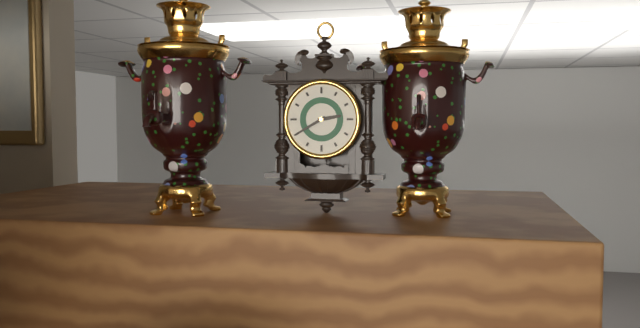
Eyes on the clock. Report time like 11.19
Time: 2.40
